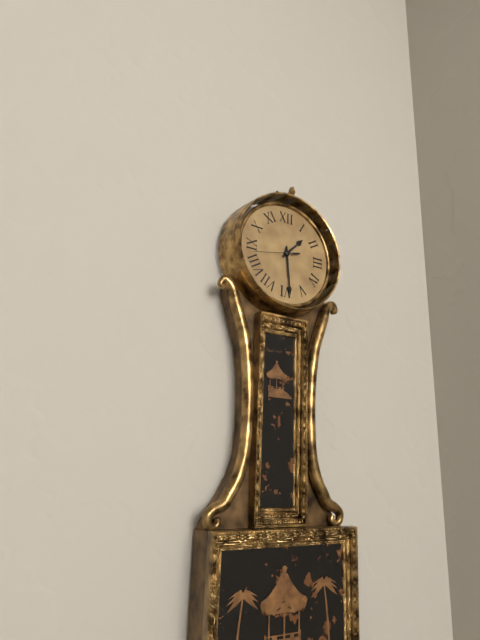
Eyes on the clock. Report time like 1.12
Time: 1.29
